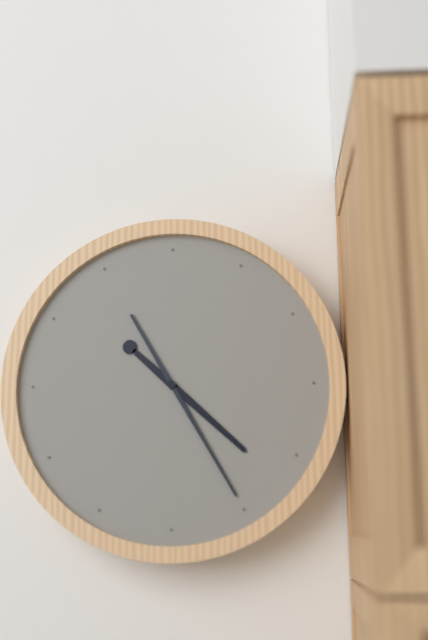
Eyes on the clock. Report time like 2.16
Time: 4.25
